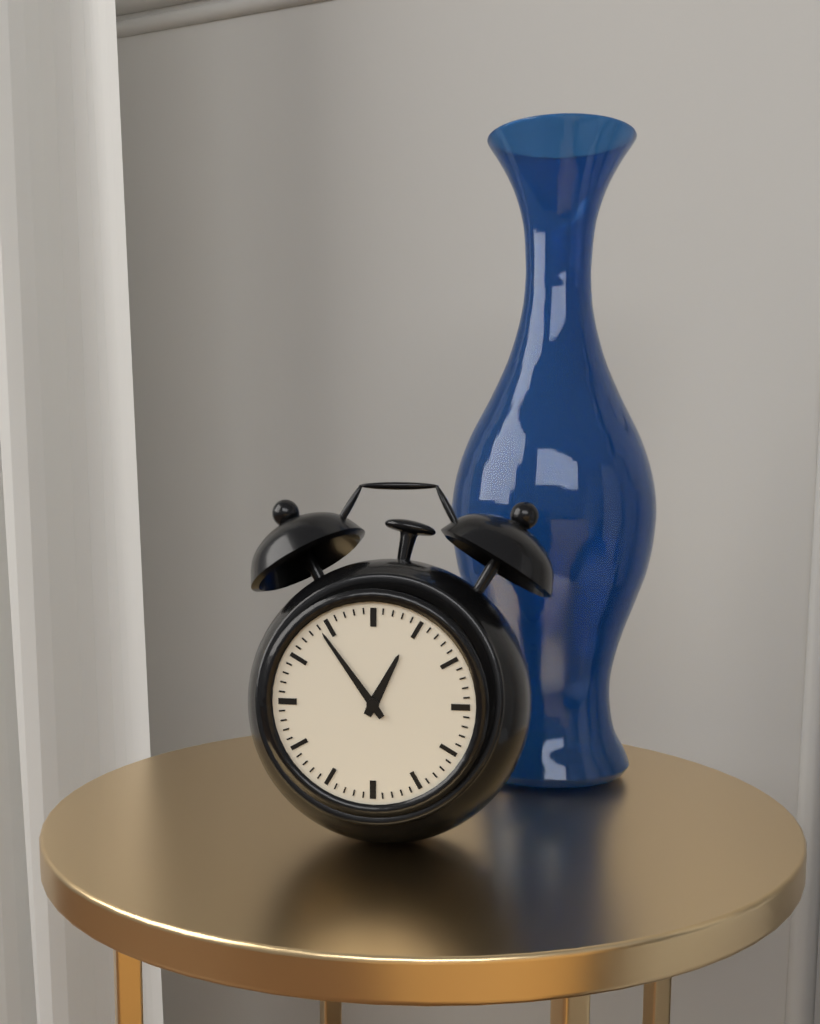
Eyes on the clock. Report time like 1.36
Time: 12.54
